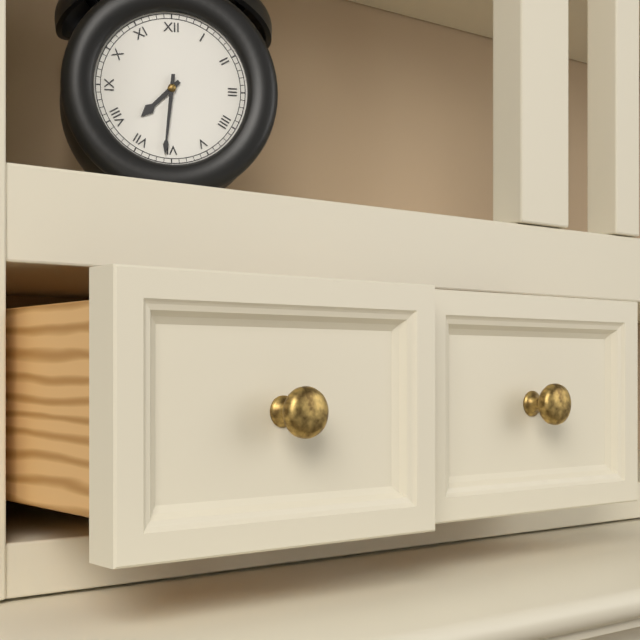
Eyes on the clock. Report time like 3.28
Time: 7.31
